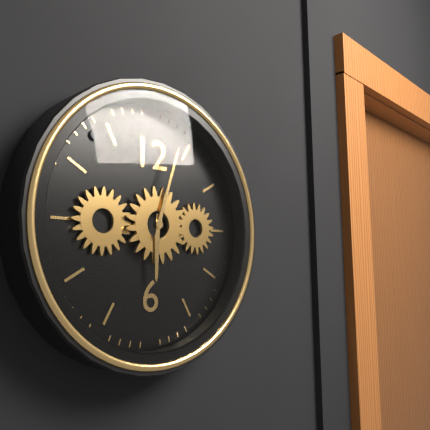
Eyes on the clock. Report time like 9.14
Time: 6.03
